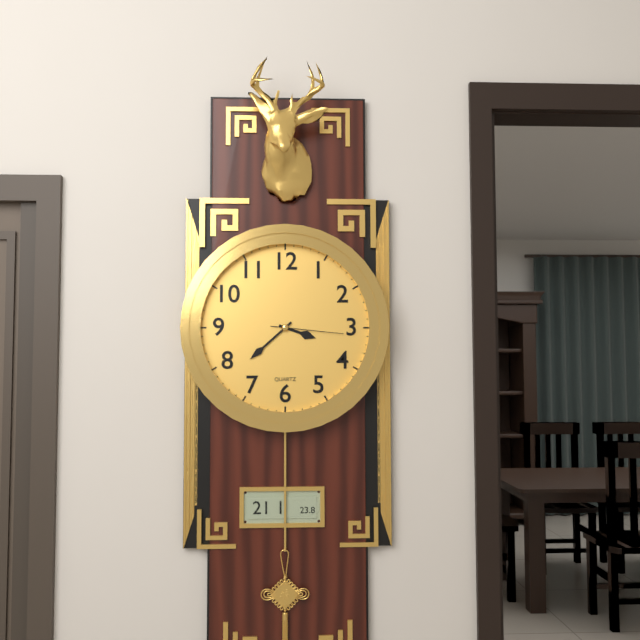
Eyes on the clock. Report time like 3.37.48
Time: 3.38.16
